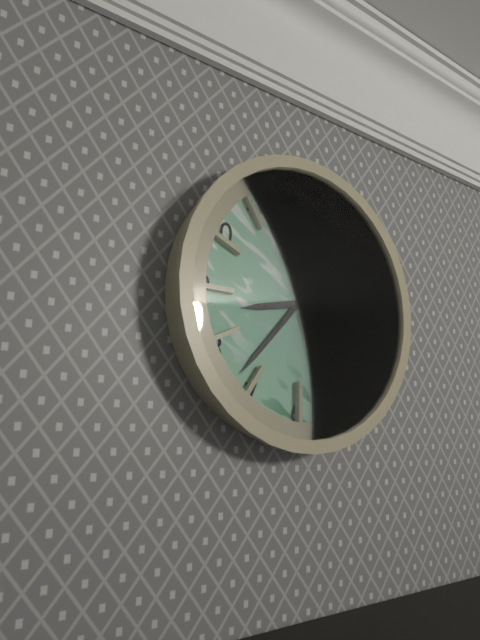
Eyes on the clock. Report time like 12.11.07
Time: 8.37.27
